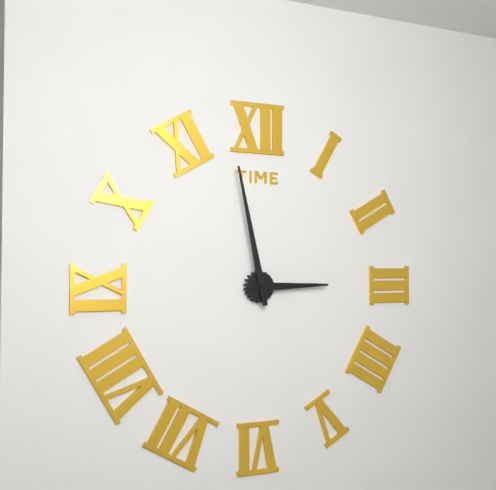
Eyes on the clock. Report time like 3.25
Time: 2.58
